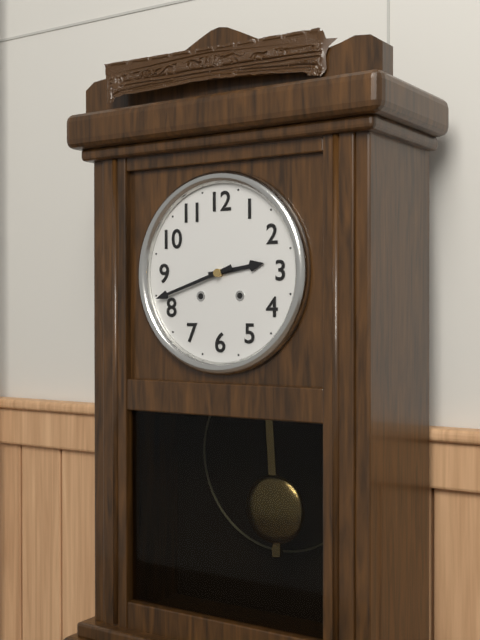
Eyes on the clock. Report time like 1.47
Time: 2.42
